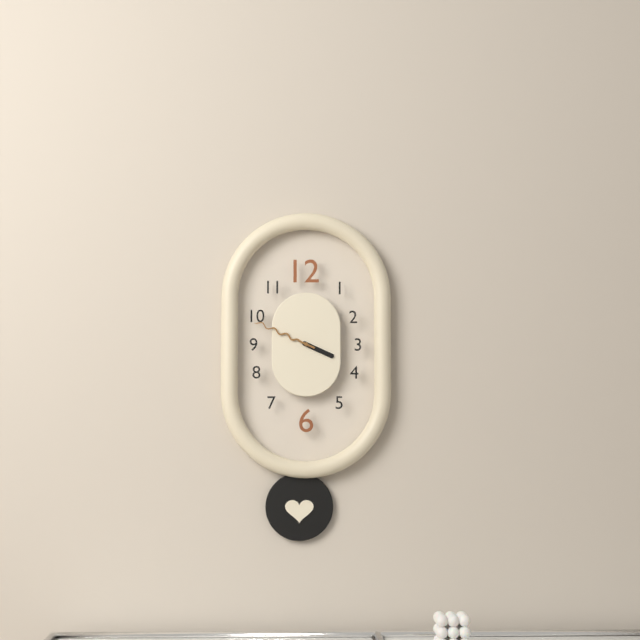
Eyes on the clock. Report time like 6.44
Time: 3.49
